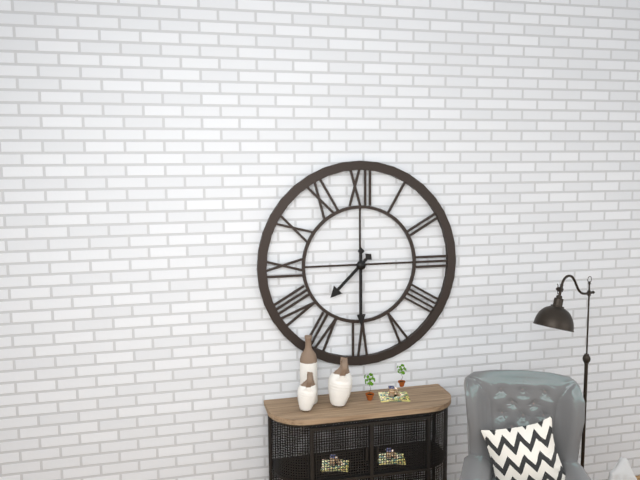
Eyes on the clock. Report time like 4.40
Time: 7.30
